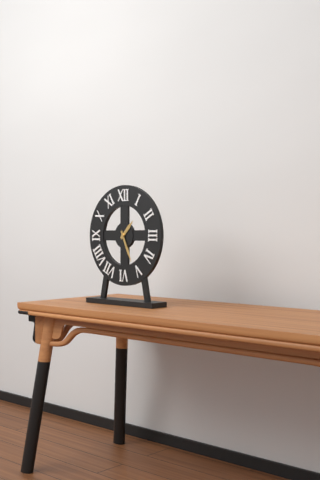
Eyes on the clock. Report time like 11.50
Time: 1.26
